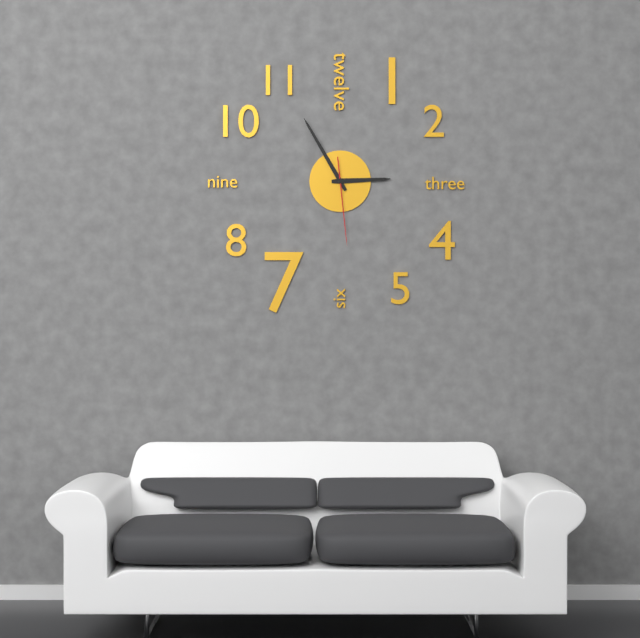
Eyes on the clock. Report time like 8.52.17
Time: 2.55.29
